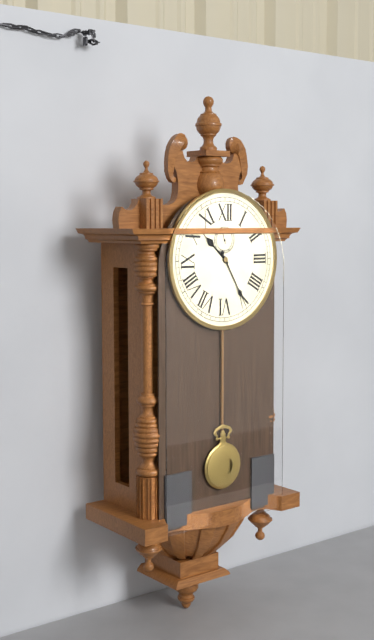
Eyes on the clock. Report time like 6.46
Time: 10.25
